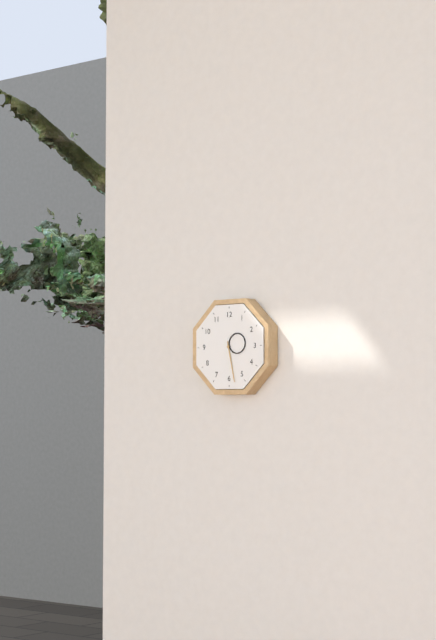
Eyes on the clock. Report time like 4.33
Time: 2.28
